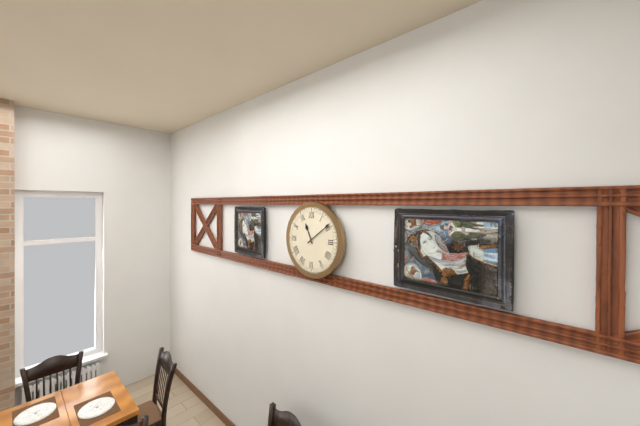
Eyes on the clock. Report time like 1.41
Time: 11.09
